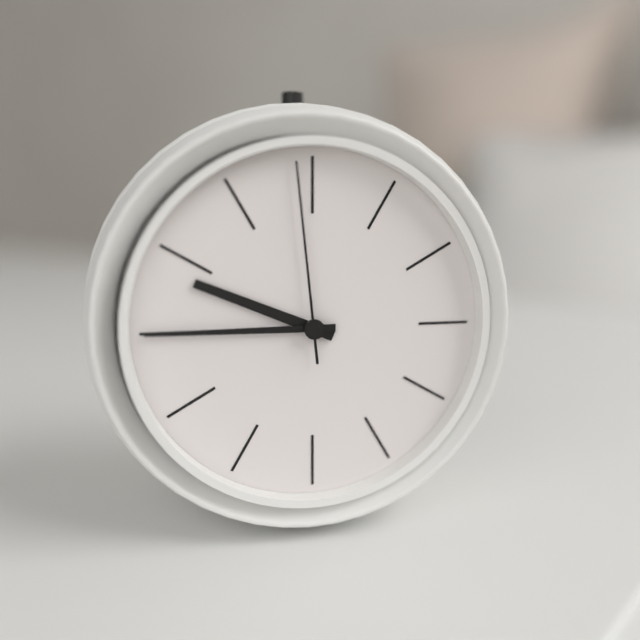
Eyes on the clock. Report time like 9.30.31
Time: 9.45.59
